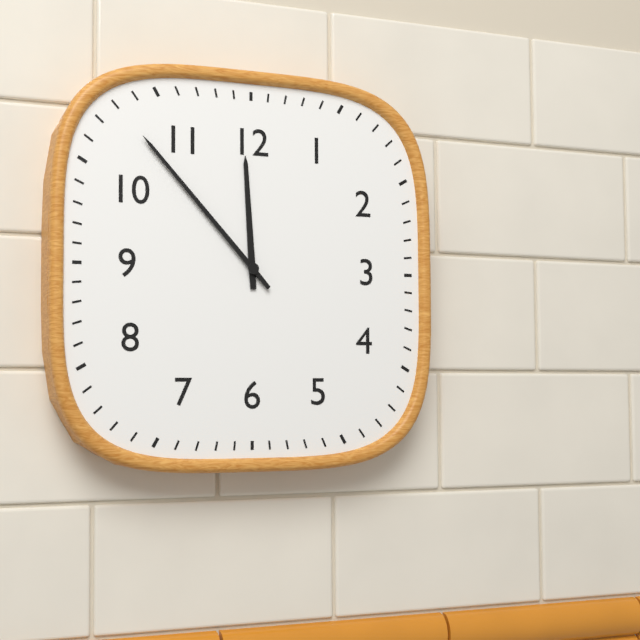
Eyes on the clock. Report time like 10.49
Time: 11.53
